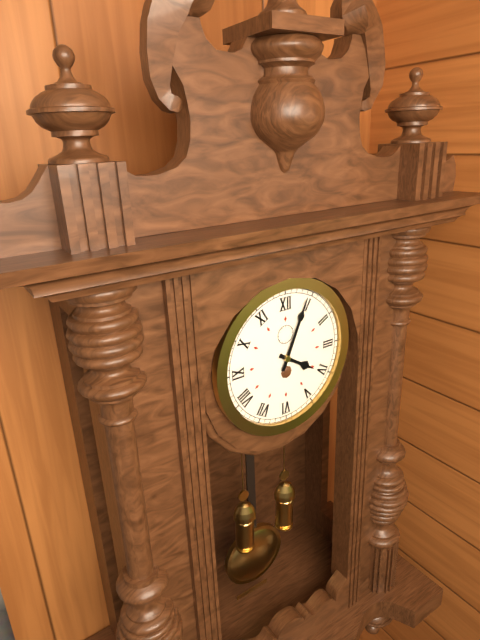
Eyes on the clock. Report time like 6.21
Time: 4.04
